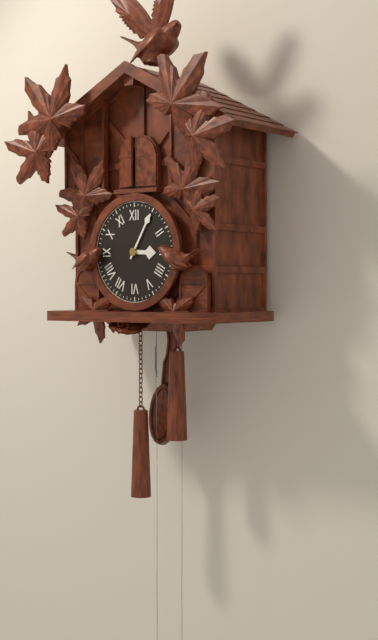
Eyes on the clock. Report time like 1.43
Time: 3.05
